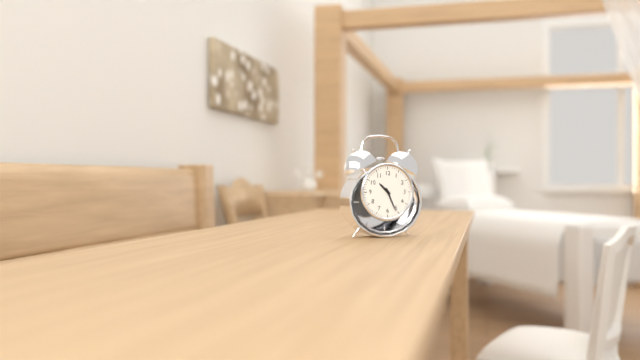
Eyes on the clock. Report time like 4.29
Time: 10.26
